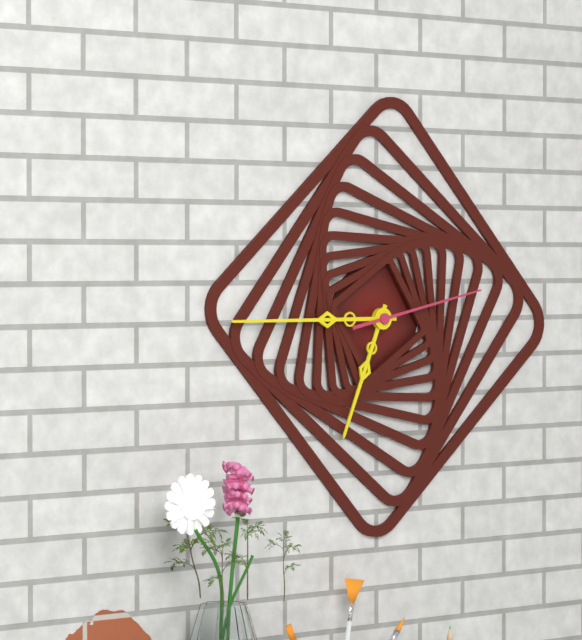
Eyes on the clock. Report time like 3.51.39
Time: 6.45.13
